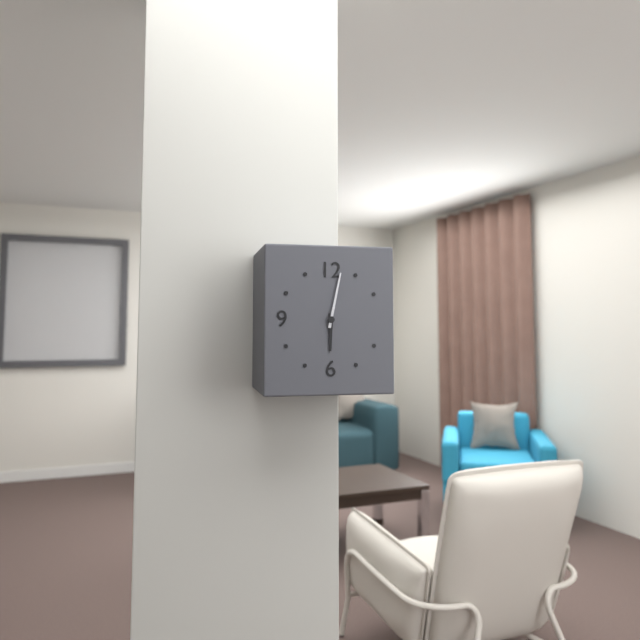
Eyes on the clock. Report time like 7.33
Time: 6.02
